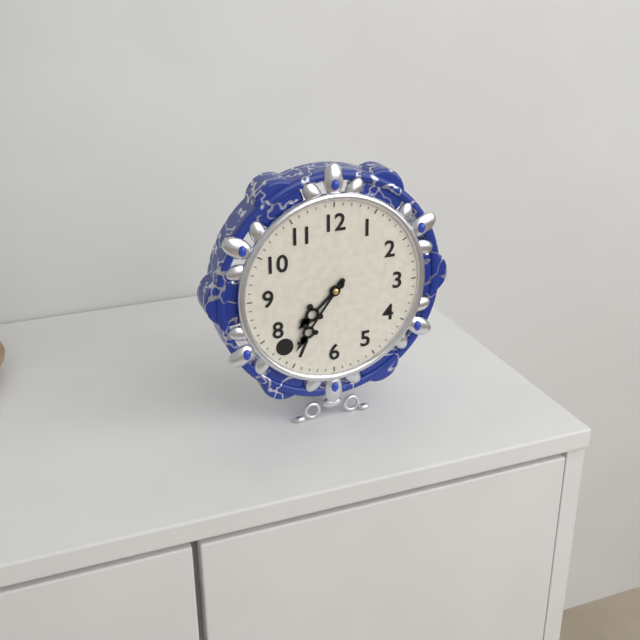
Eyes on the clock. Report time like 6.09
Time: 7.36
